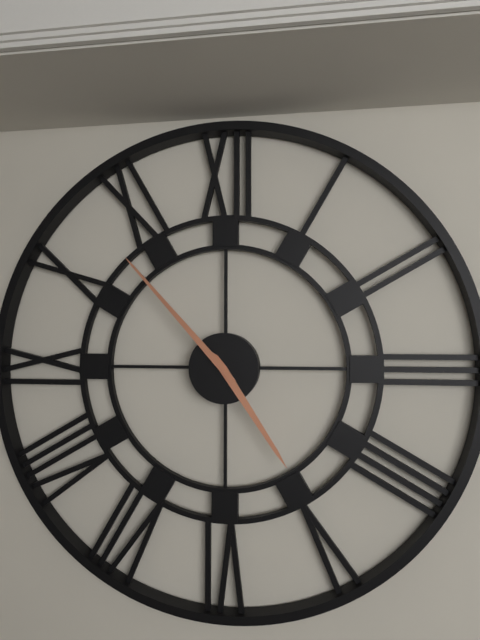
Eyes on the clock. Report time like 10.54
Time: 4.53
